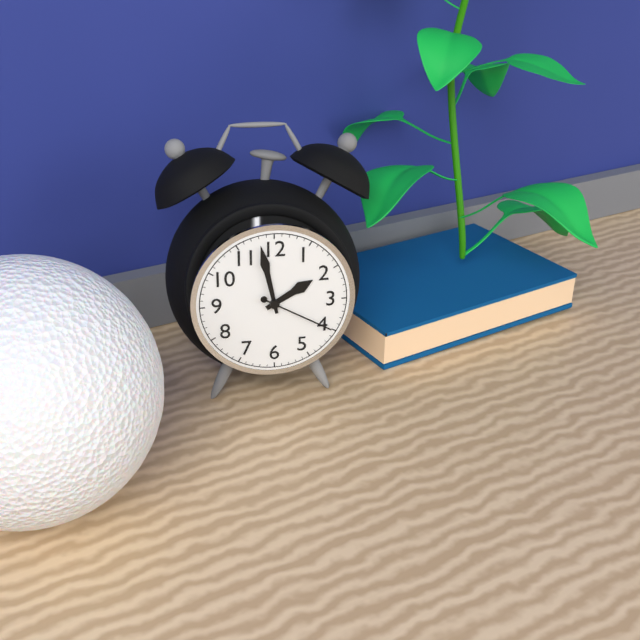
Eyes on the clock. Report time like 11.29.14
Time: 1.58.20
